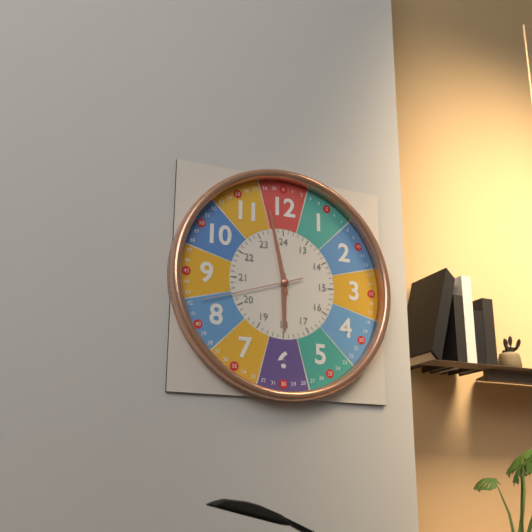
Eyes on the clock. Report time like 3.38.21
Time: 5.58.42
